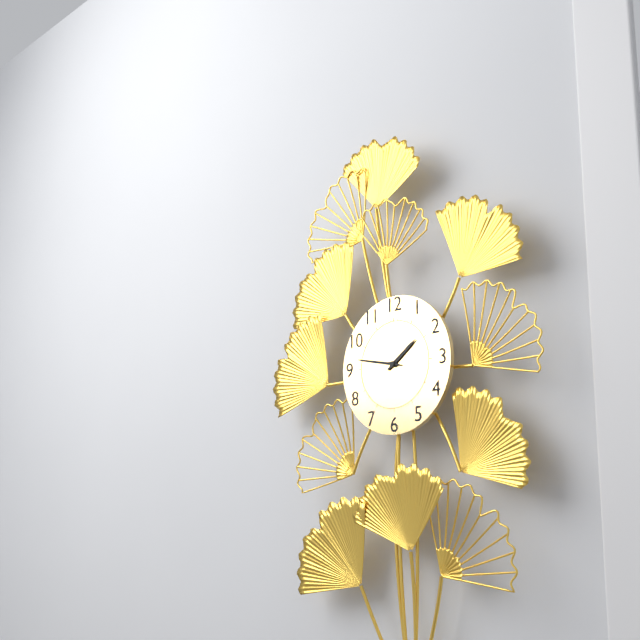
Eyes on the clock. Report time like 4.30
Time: 1.47
